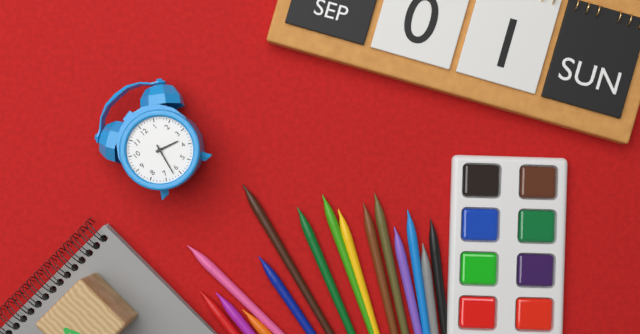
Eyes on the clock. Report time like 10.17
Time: 3.32
